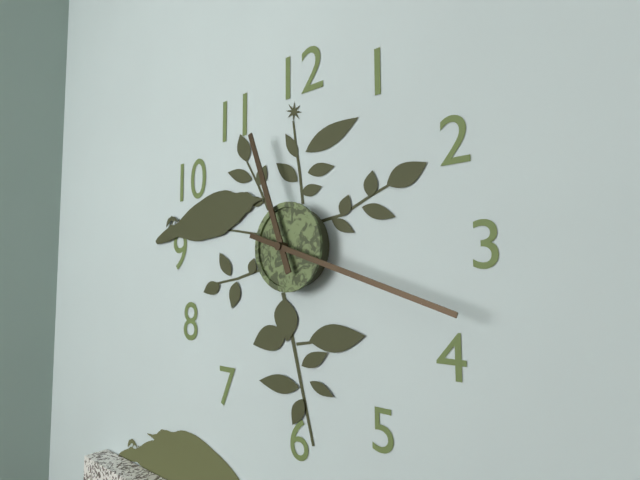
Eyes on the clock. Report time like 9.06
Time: 11.18
